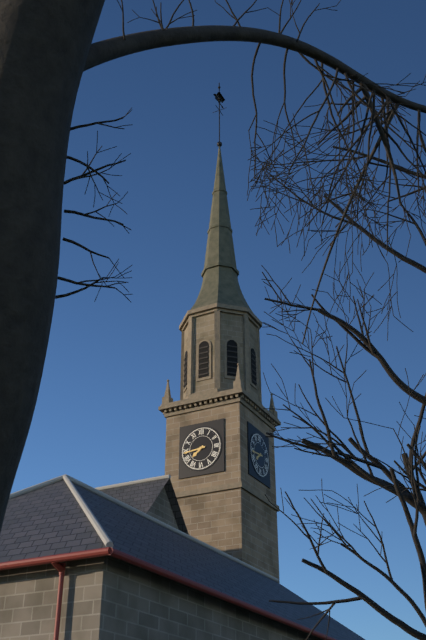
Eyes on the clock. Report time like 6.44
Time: 7.44
